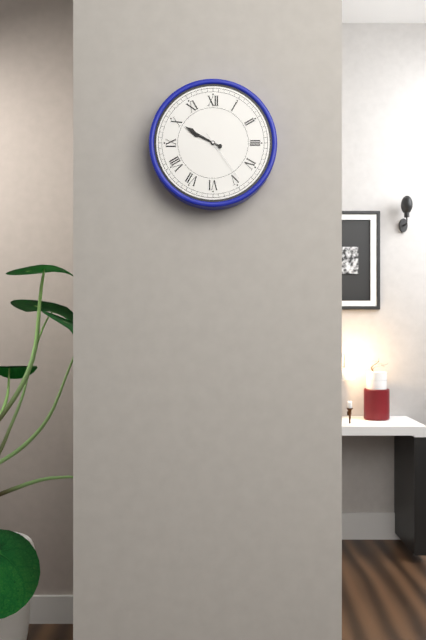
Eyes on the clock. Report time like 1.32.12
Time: 9.50.24
